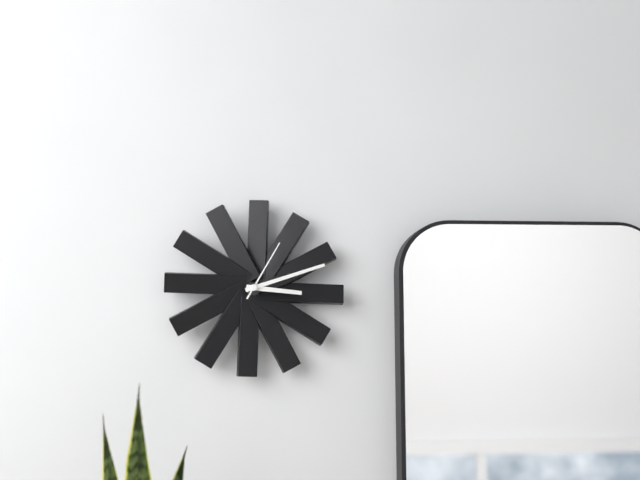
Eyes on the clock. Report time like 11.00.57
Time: 3.12.05
